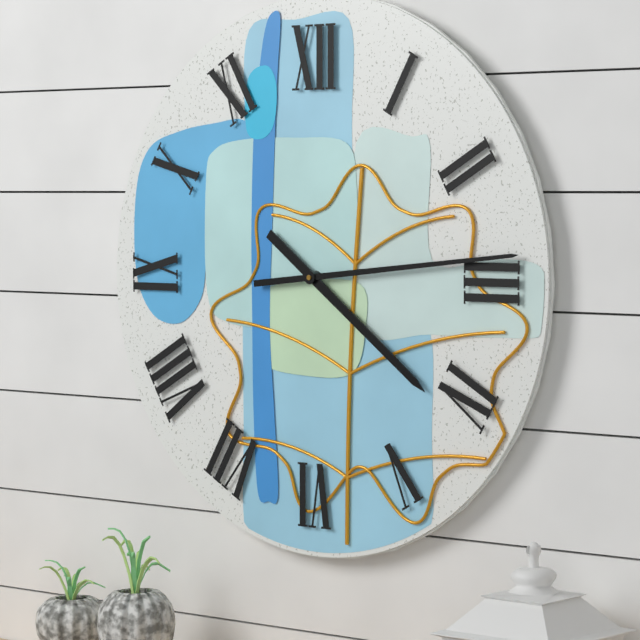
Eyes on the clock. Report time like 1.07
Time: 4.14
